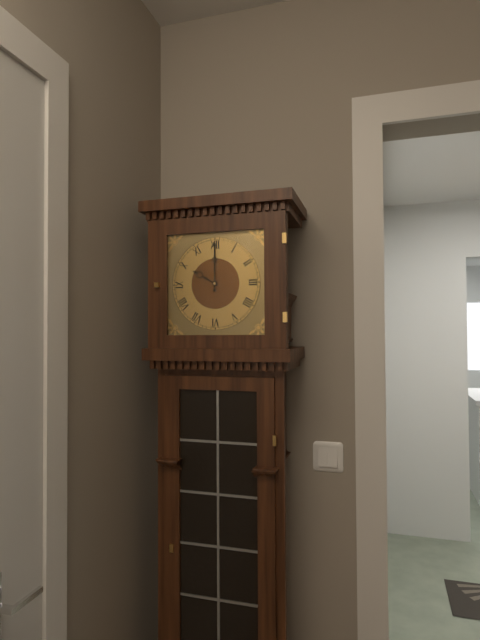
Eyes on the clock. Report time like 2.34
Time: 10.00
